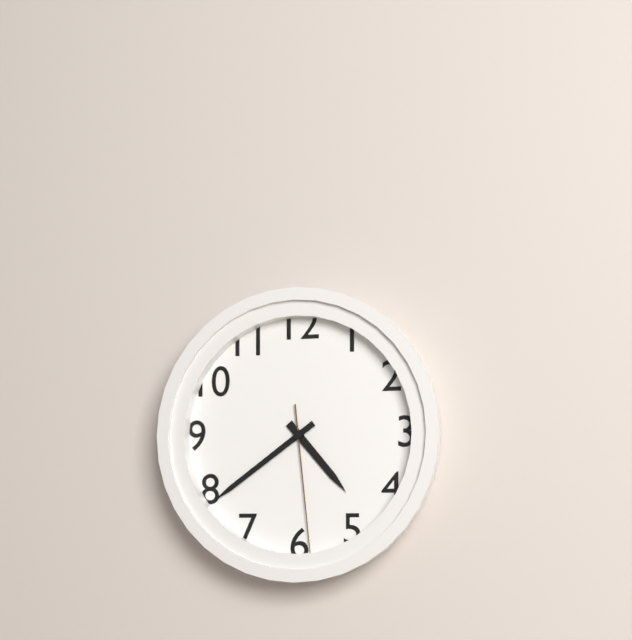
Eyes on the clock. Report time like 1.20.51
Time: 4.39.29
